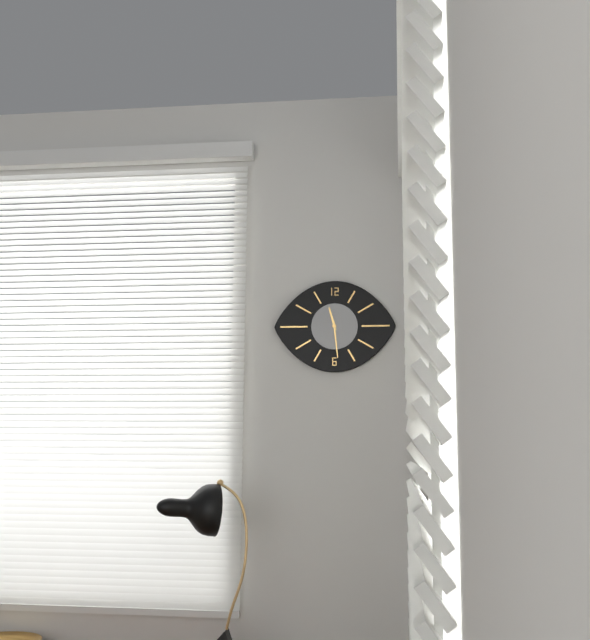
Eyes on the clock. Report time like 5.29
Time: 11.29
